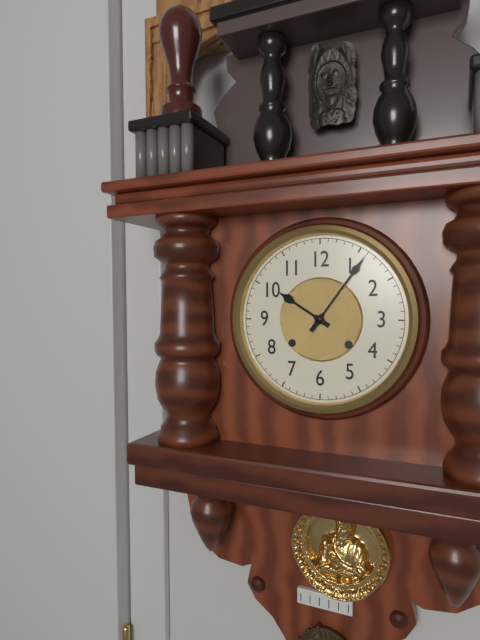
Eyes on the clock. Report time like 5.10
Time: 10.06
